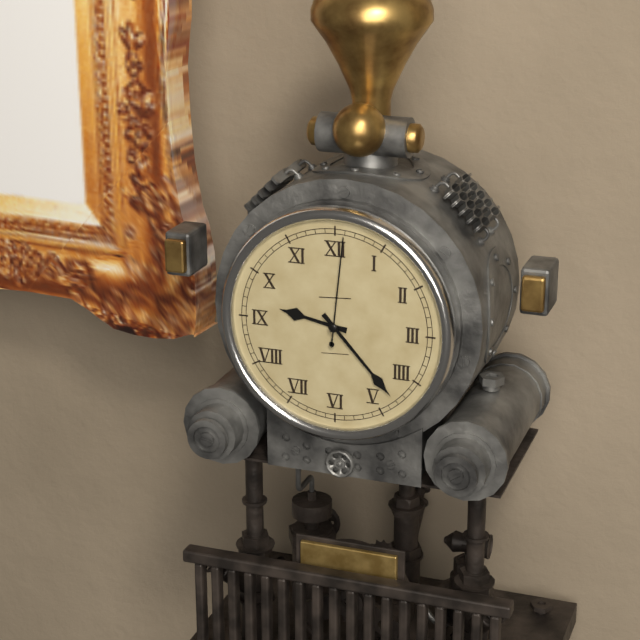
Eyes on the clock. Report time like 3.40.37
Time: 9.23.01
